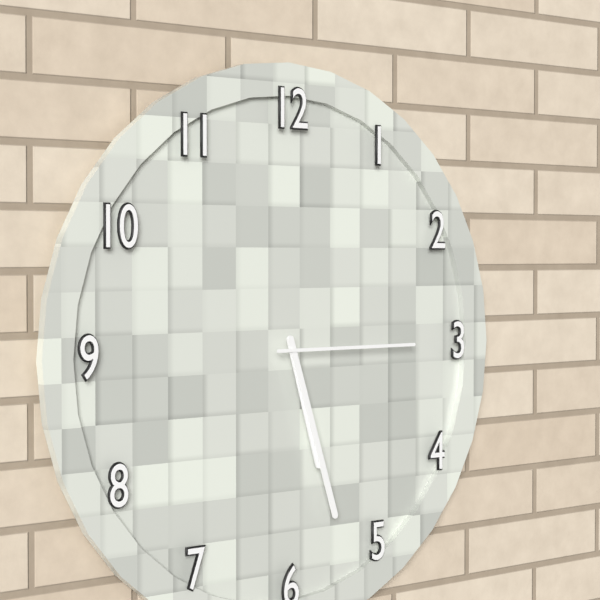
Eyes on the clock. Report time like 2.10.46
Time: 5.27.15
